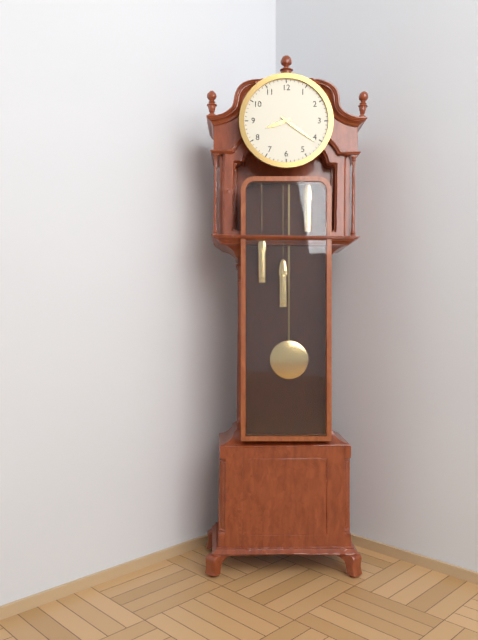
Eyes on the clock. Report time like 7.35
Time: 8.21
